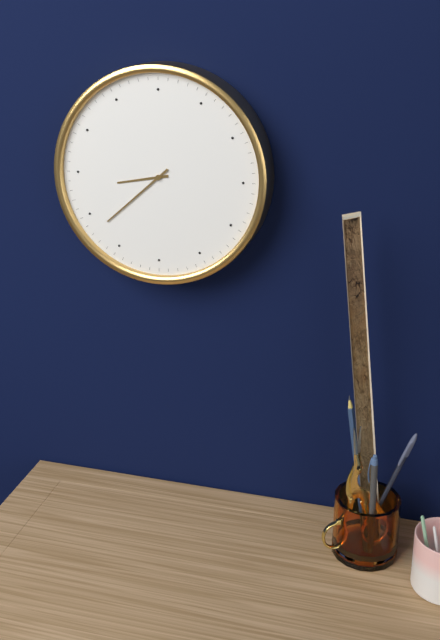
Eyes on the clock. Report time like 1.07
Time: 8.38
